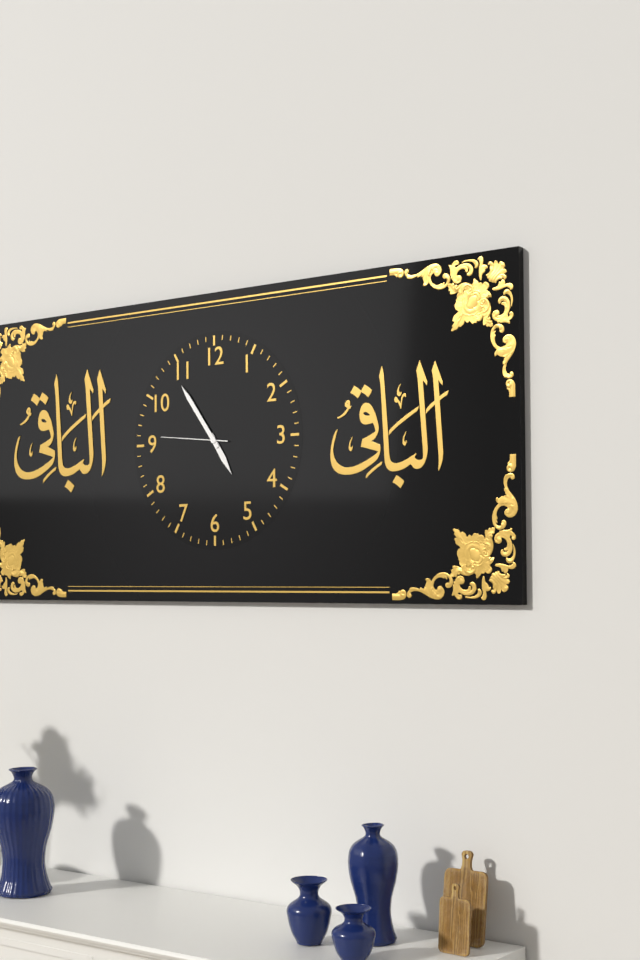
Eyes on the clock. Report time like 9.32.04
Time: 4.54.46
